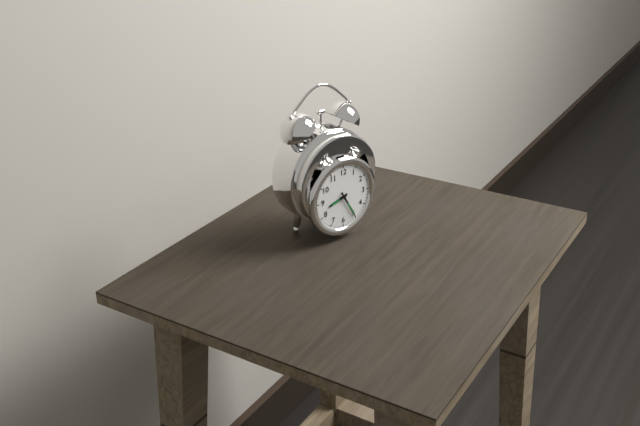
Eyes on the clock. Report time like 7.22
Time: 8.25
